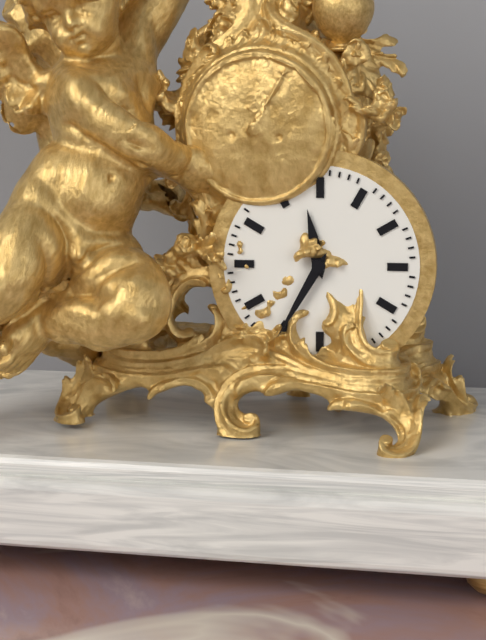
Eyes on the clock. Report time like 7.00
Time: 11.35
